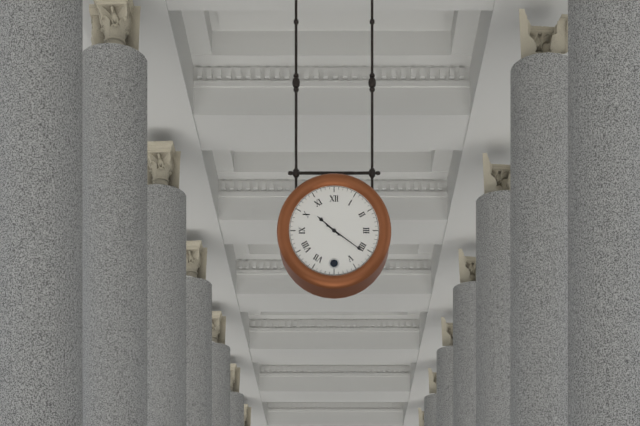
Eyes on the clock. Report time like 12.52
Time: 10.21
